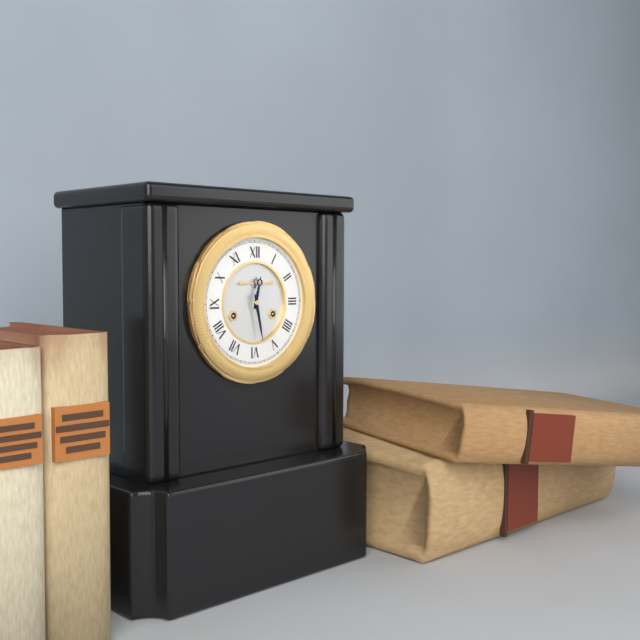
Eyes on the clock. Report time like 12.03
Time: 12.28
